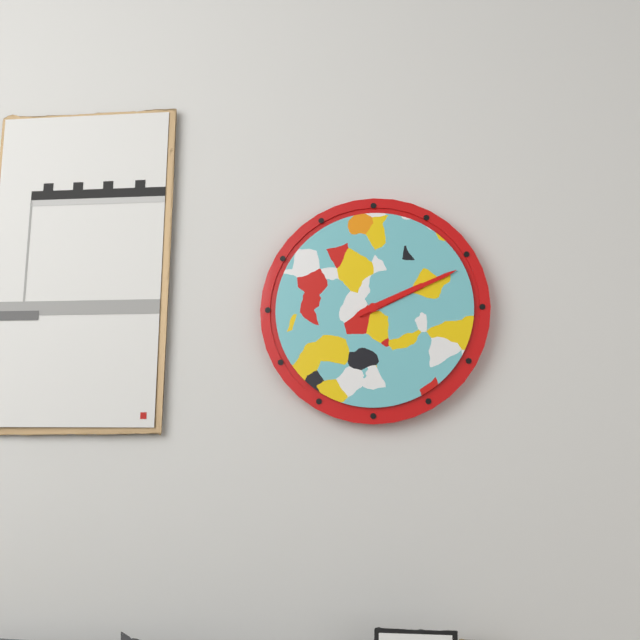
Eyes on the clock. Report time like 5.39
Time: 2.11
